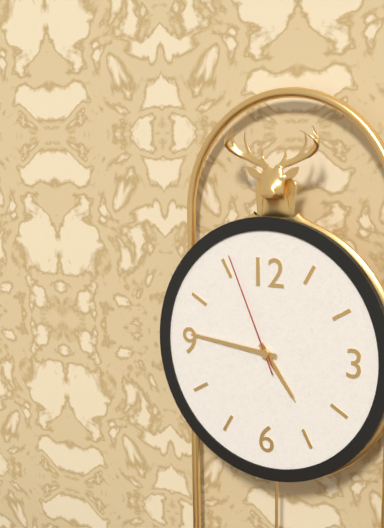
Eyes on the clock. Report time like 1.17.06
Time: 4.46.56
